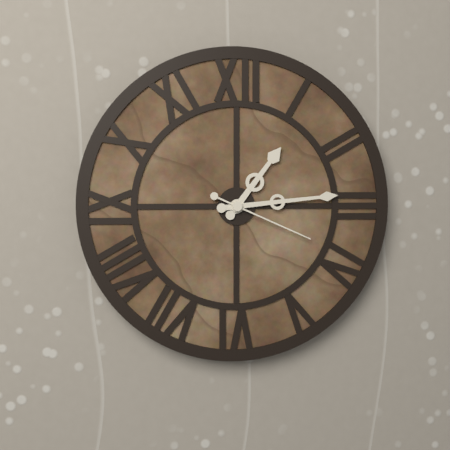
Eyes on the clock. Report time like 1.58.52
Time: 1.14.19
